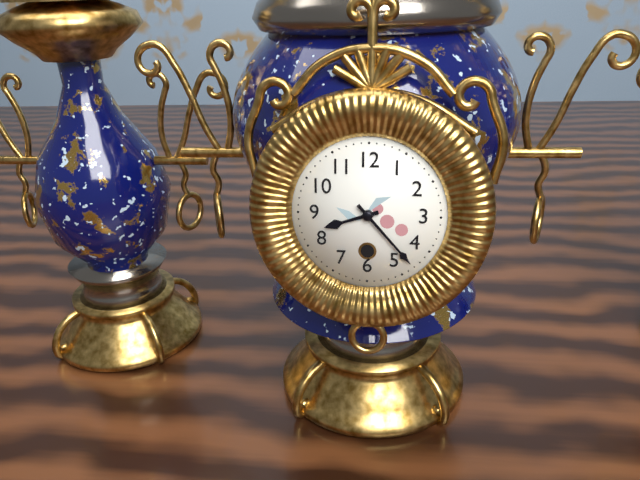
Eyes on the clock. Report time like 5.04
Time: 8.23
